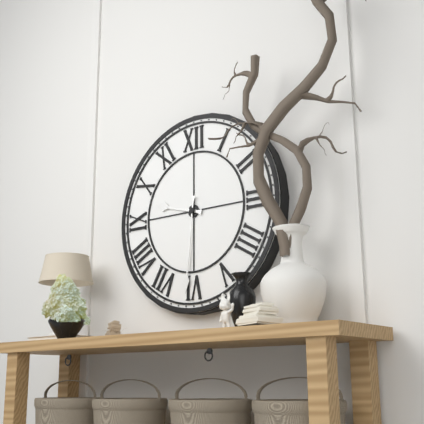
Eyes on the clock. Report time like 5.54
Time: 9.31
